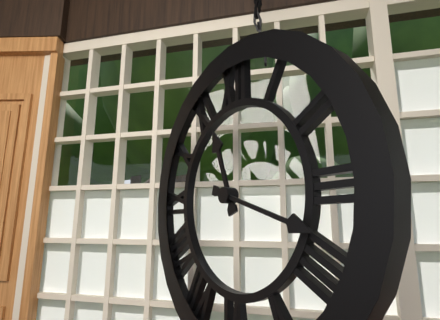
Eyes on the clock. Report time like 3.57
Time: 11.18
